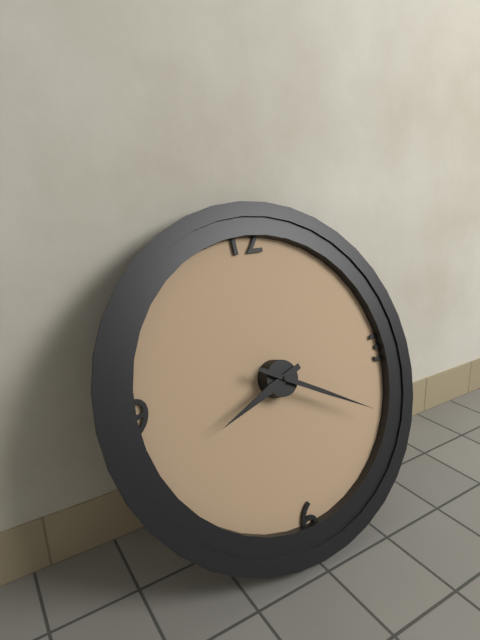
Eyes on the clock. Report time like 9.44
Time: 8.20
